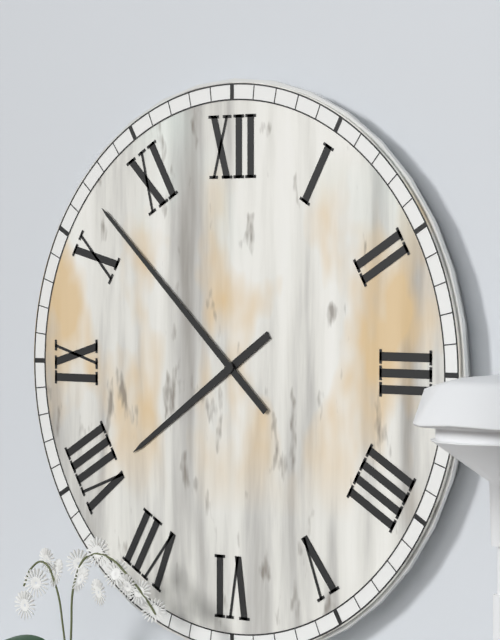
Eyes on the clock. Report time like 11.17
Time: 7.52
